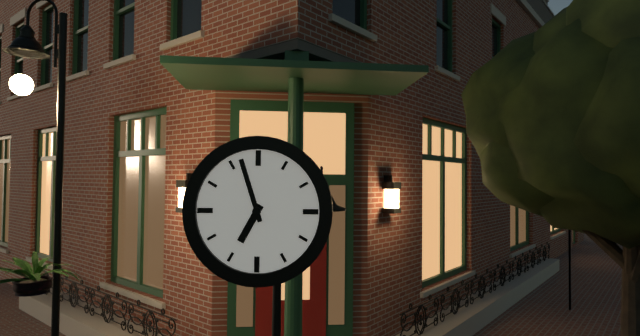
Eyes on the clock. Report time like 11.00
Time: 6.57
